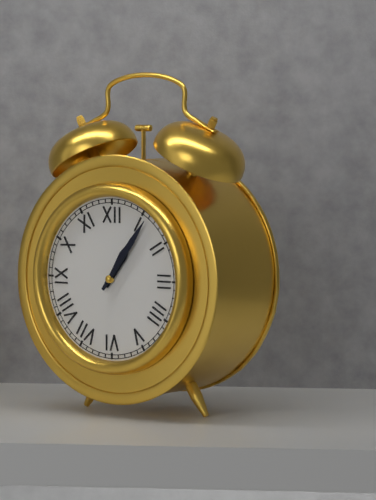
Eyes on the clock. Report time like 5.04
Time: 1.06
